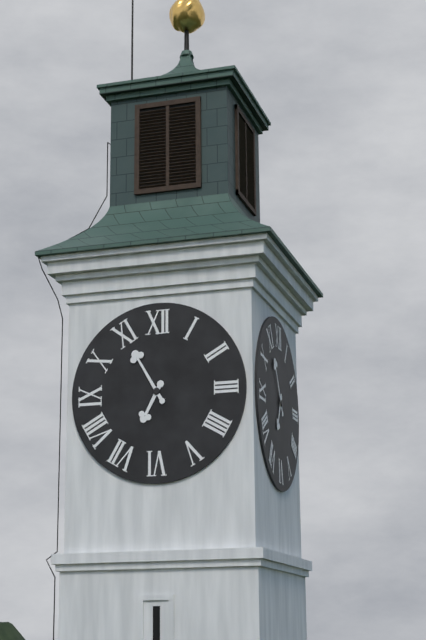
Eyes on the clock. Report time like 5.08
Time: 6.55
